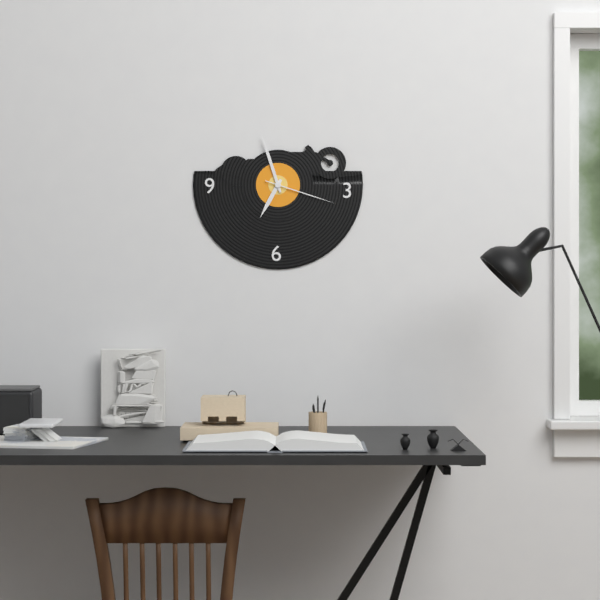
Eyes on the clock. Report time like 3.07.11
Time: 6.57.18
